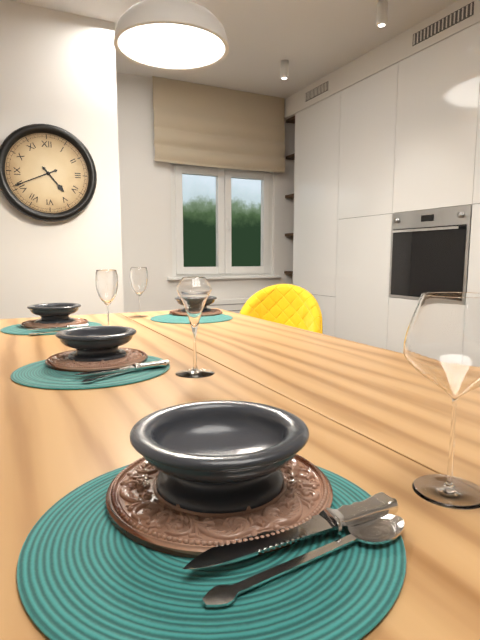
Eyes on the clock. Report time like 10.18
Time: 4.41
